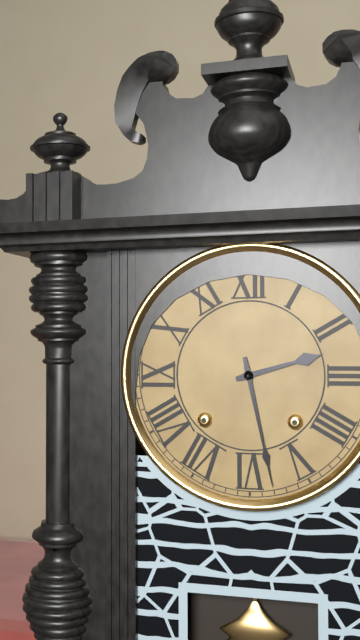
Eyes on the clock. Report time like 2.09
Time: 2.28
